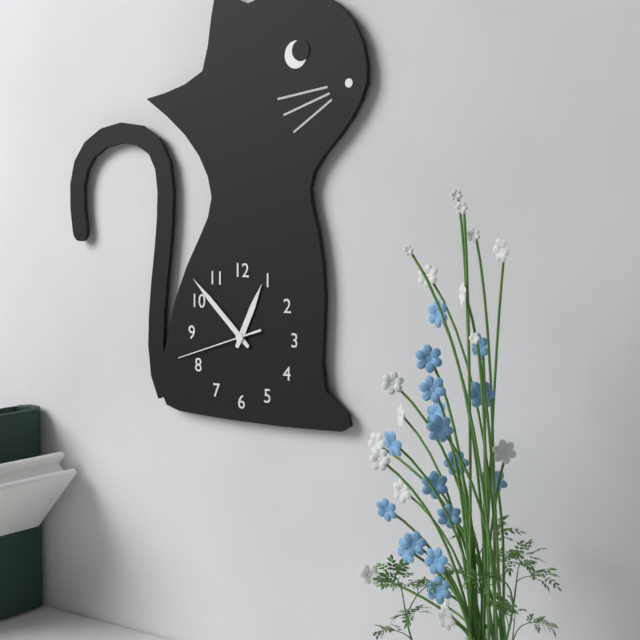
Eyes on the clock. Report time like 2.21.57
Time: 12.52.42
